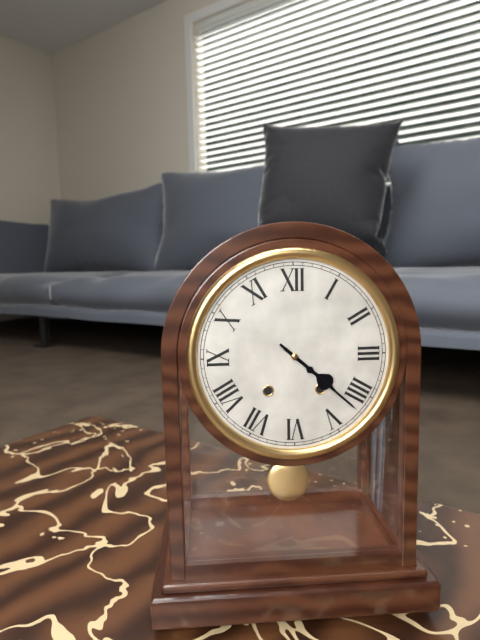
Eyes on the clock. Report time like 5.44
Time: 4.22
